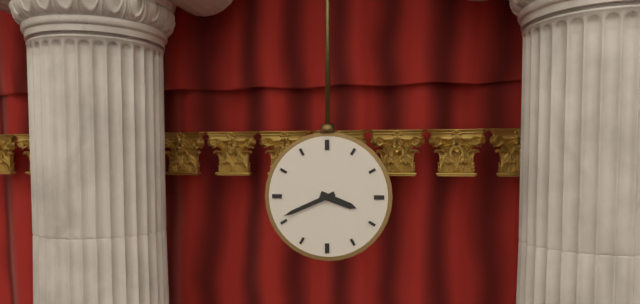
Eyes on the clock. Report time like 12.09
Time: 3.41
